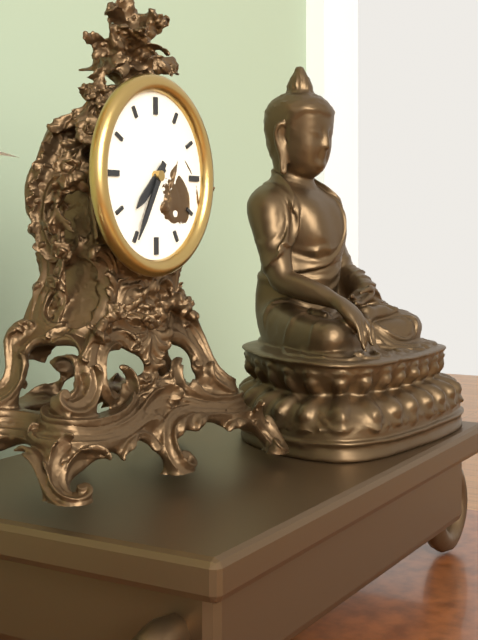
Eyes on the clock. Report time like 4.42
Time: 7.35
